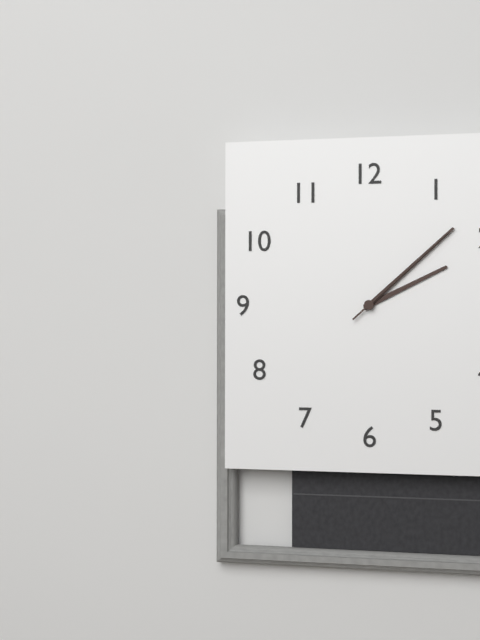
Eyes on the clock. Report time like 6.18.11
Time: 2.08.08
